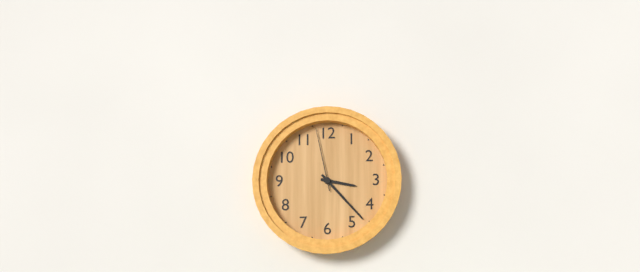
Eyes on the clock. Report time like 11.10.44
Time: 3.23.58
